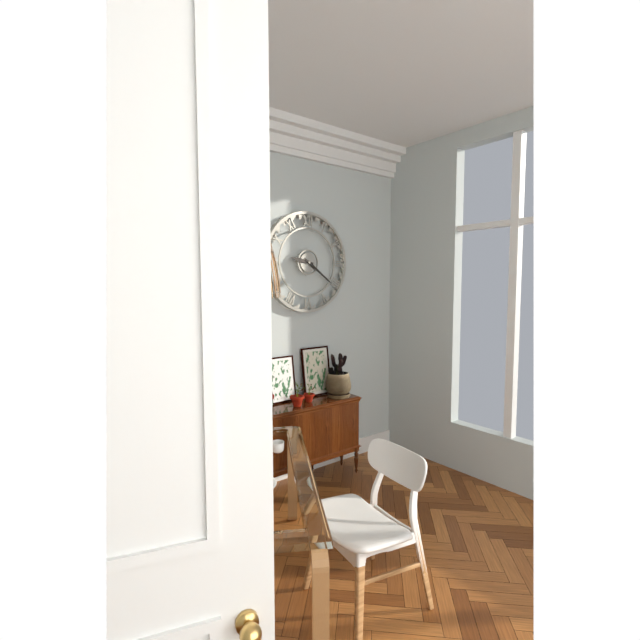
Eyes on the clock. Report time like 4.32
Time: 9.21
